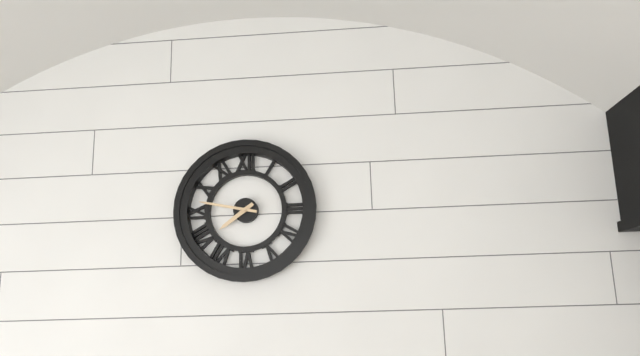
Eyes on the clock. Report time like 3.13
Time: 7.47
